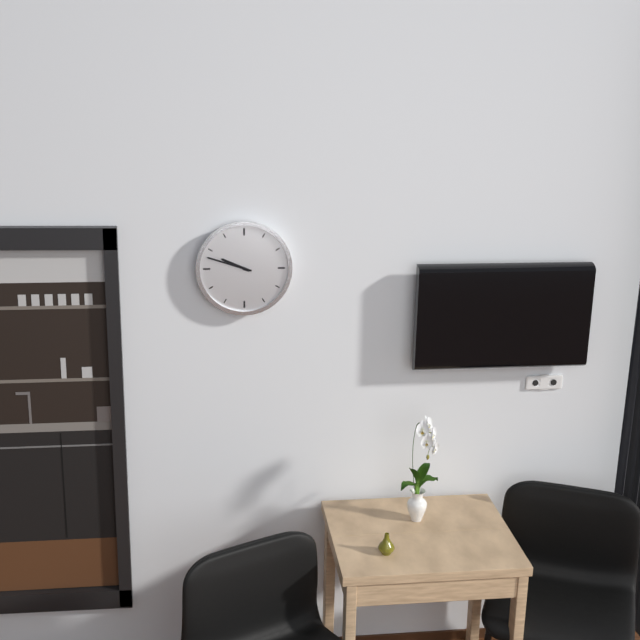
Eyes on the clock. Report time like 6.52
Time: 9.48
